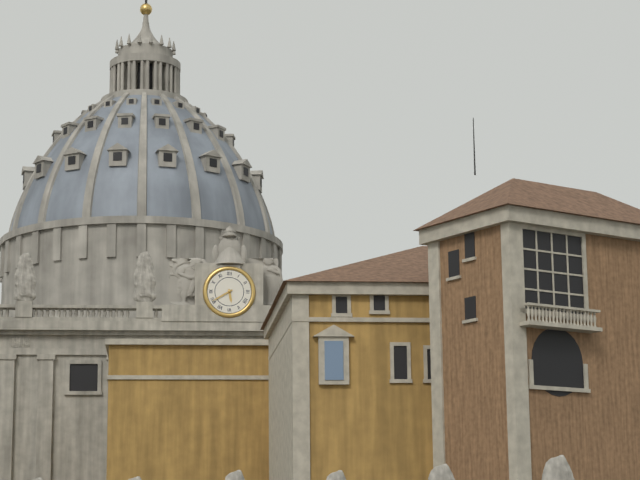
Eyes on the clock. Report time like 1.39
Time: 5.40
